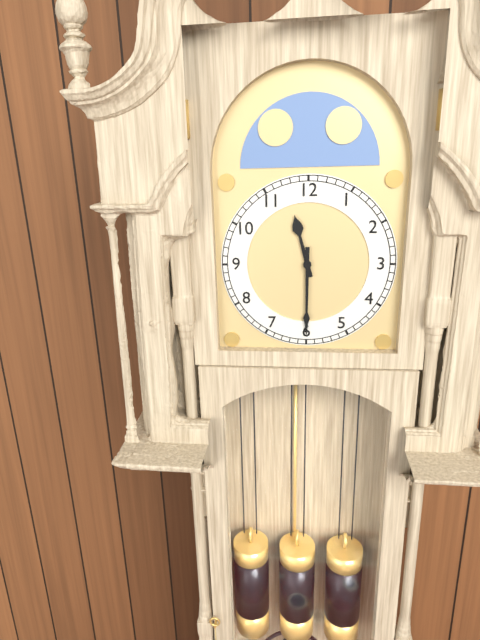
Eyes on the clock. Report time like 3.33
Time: 11.30
